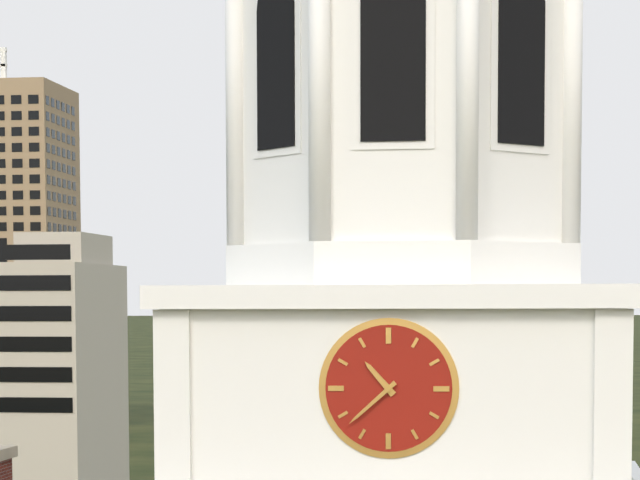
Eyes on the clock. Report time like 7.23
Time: 10.38
